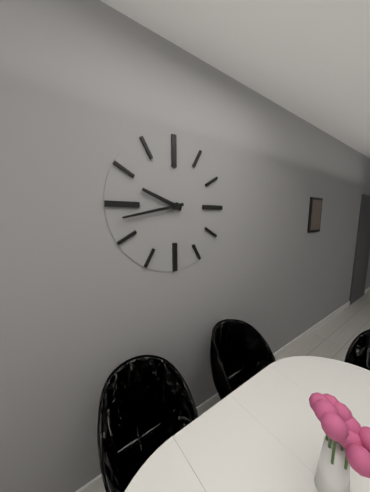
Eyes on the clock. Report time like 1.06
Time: 9.43
